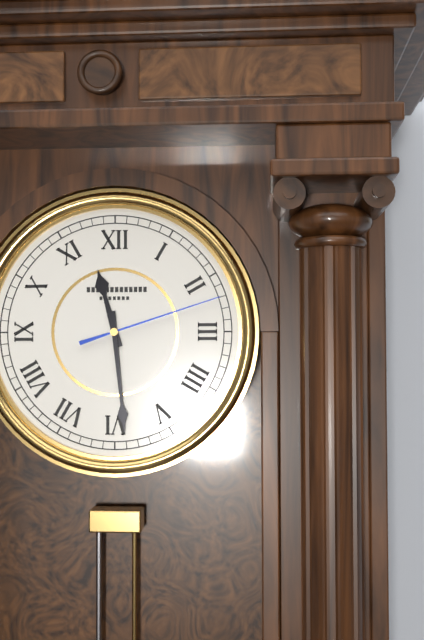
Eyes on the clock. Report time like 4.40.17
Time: 11.29.12
